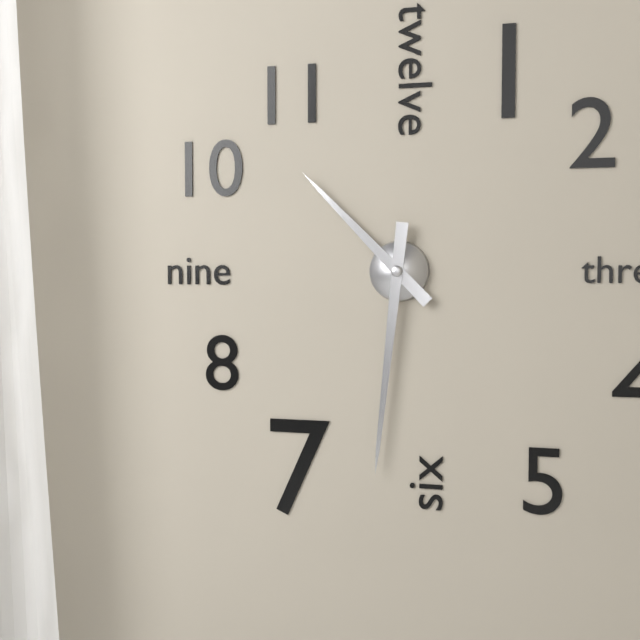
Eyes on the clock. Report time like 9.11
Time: 10.31
